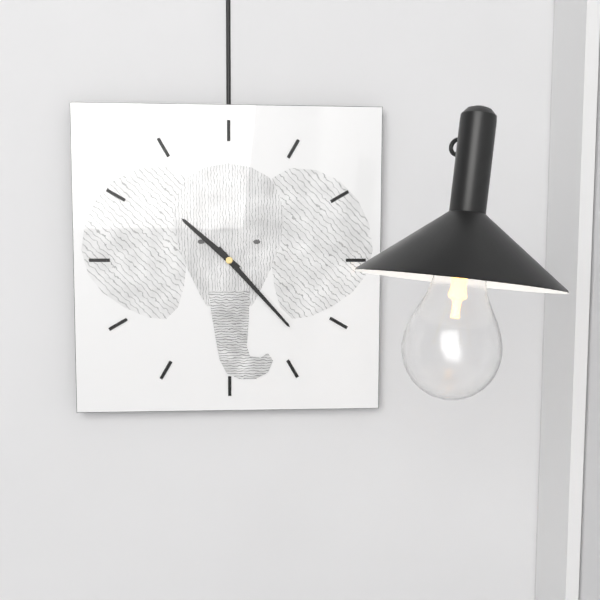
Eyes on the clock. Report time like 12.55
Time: 10.23
